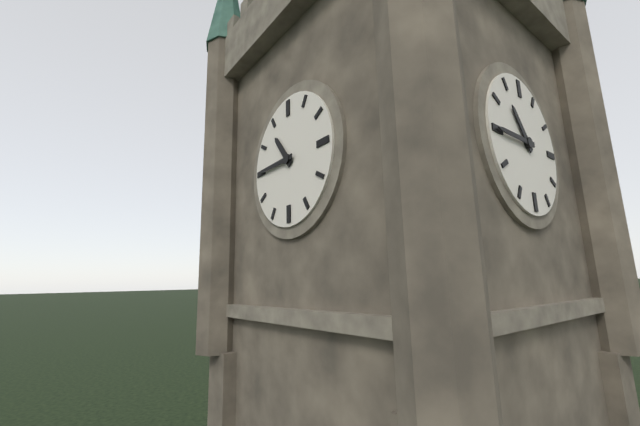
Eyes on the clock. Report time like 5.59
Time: 10.45
